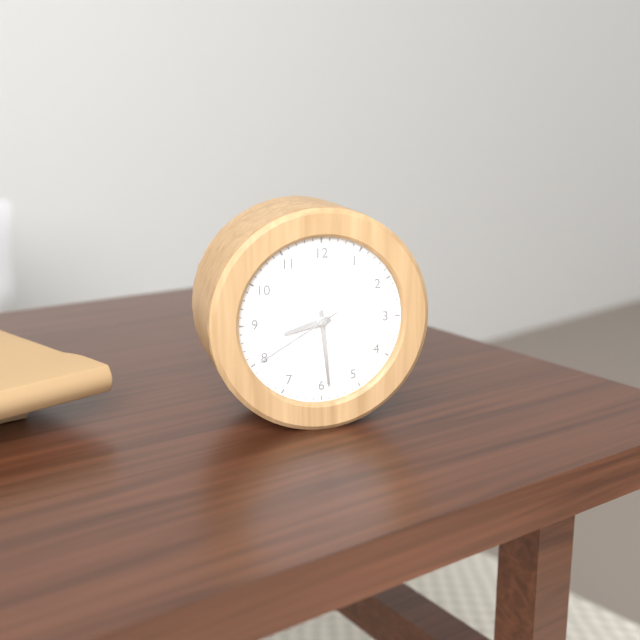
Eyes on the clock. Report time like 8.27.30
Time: 8.29.40
